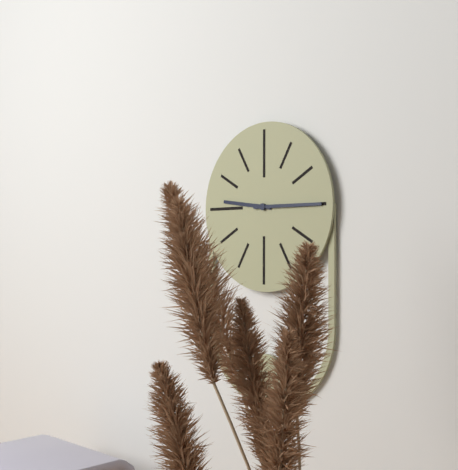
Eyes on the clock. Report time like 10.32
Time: 9.15
